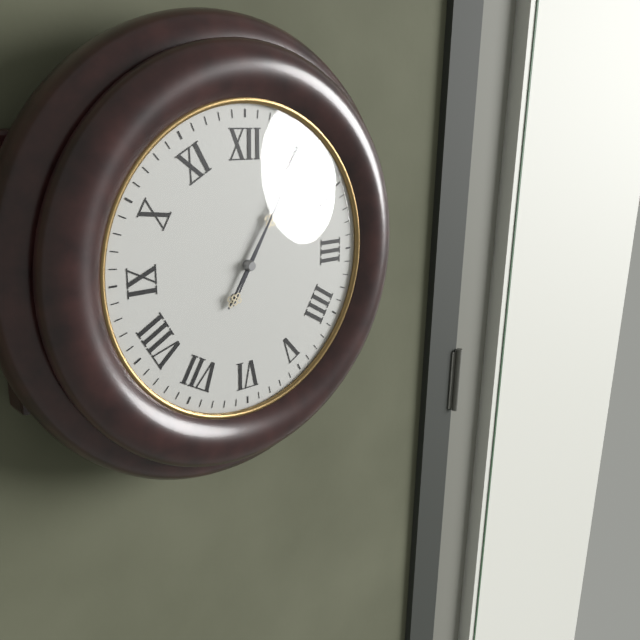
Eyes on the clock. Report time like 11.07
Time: 1.05
